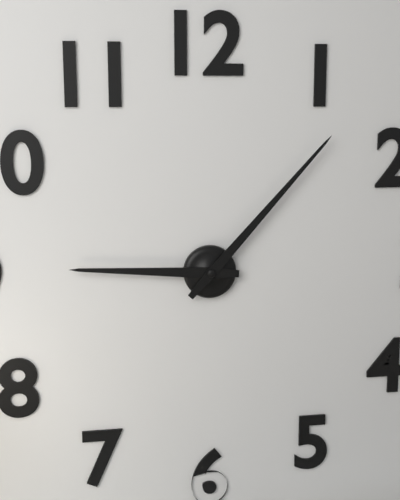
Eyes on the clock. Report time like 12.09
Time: 9.07
